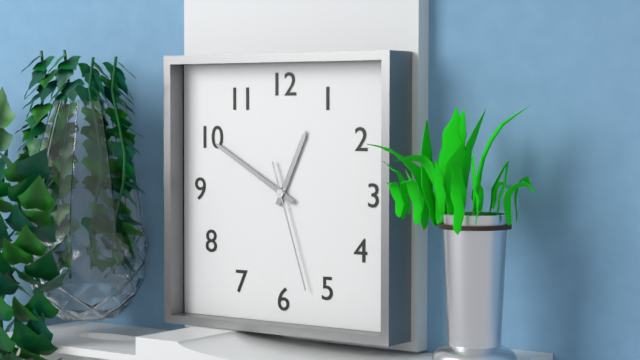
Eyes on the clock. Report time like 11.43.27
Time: 12.50.27
